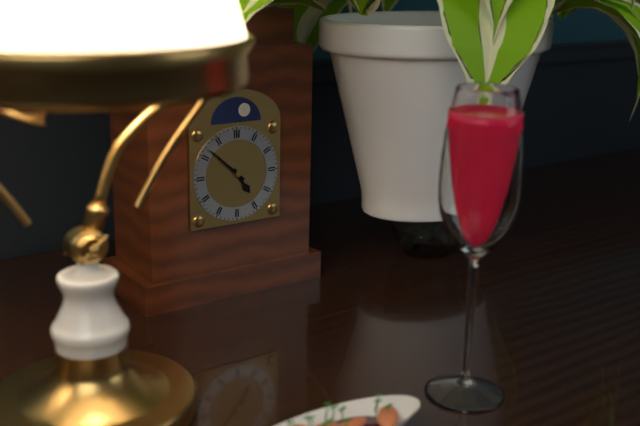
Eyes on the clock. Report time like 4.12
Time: 4.52
